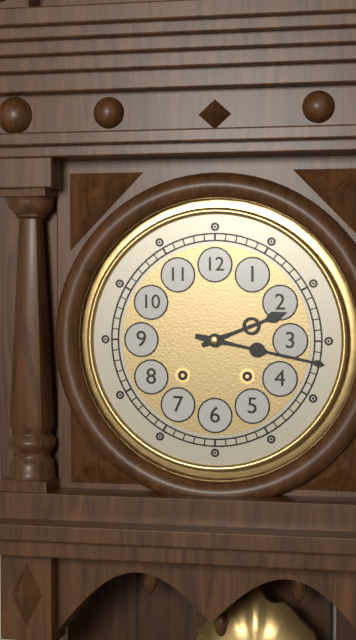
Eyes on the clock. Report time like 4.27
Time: 2.17
